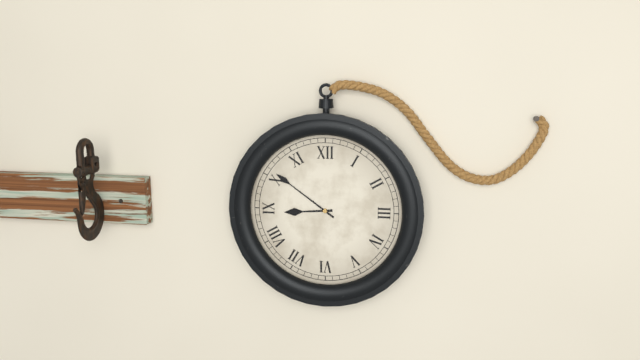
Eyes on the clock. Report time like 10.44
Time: 8.51
